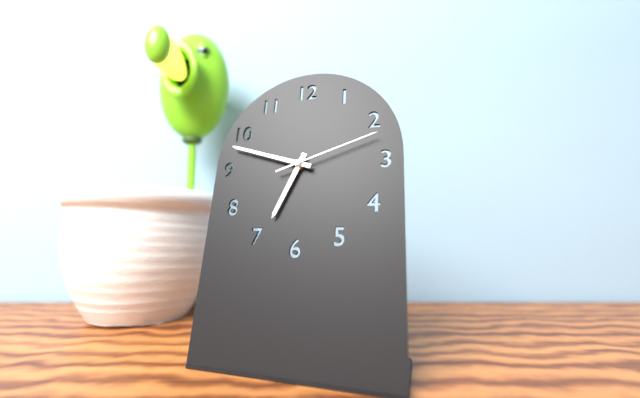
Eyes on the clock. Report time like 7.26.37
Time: 6.48.12
